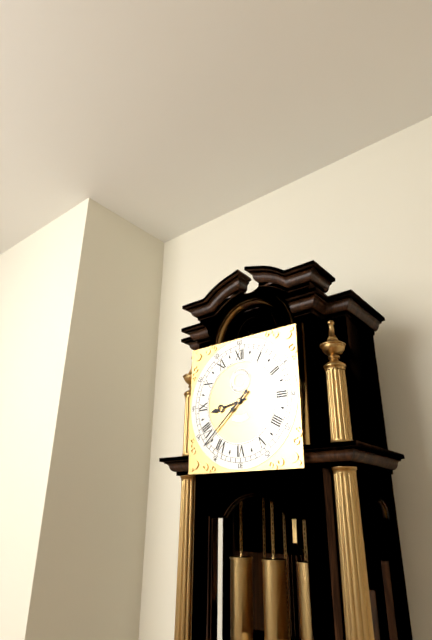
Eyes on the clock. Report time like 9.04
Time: 8.38
